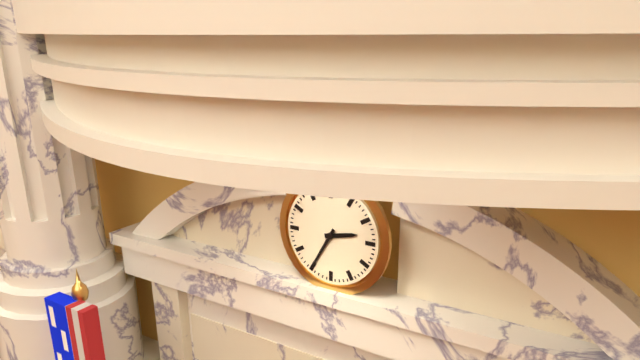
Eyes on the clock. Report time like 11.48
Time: 2.35
